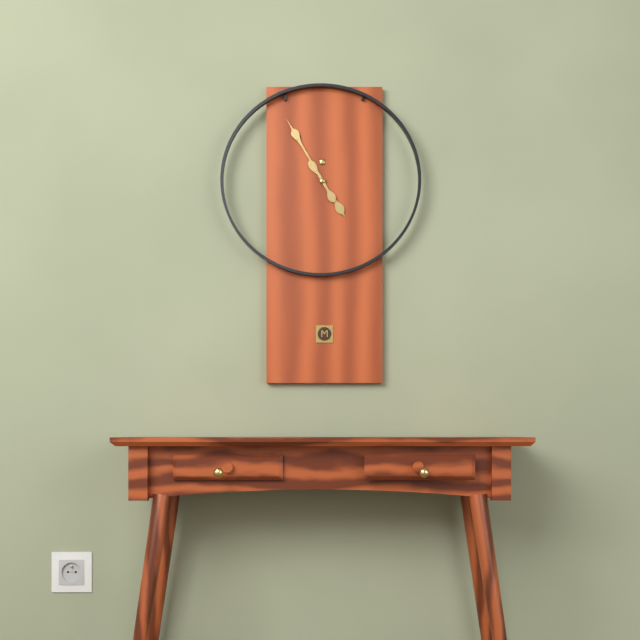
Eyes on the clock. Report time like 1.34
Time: 4.55
